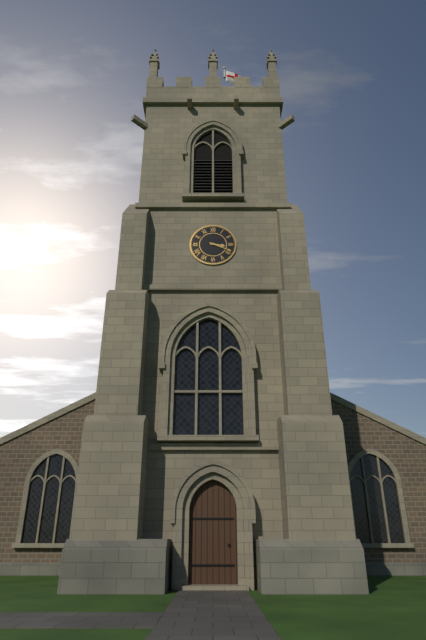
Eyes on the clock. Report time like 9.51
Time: 3.19
